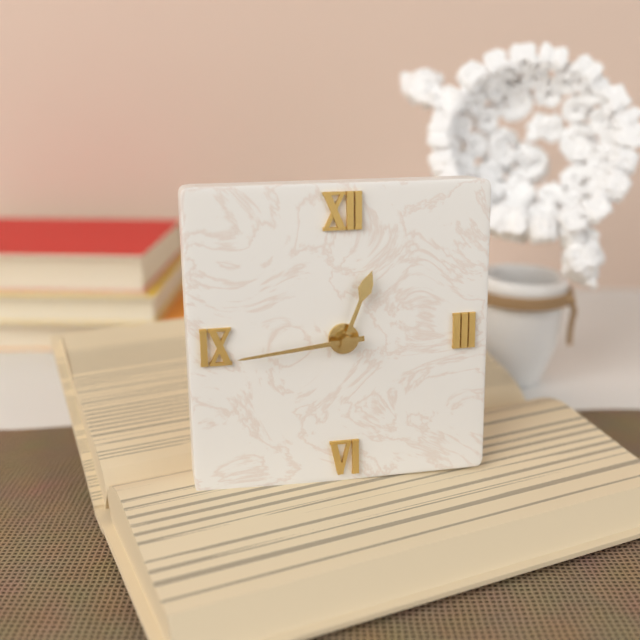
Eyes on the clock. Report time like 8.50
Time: 12.44
